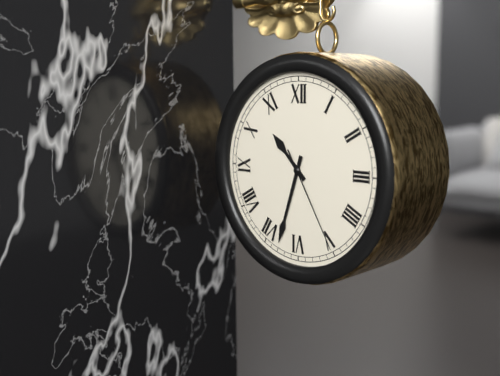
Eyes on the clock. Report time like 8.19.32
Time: 10.33.25
